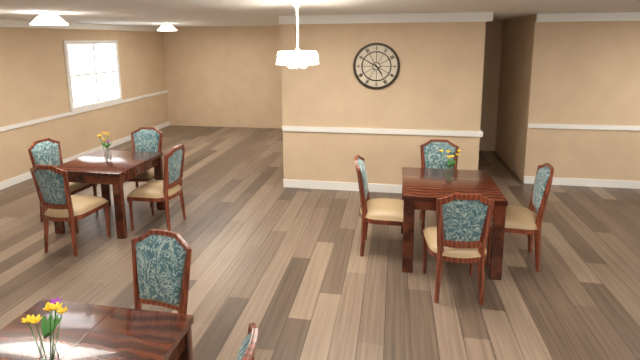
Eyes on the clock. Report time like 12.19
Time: 4.50
